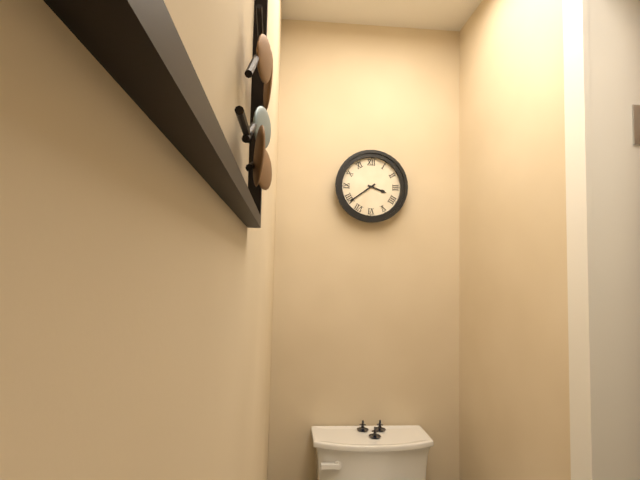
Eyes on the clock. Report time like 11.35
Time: 3.39
